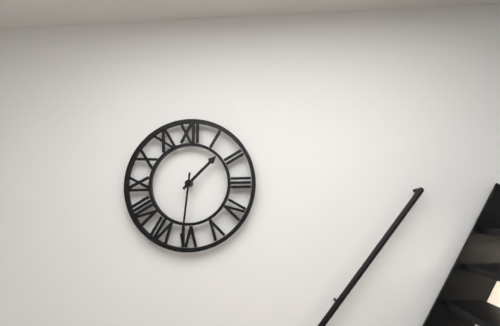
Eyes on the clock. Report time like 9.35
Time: 1.31
